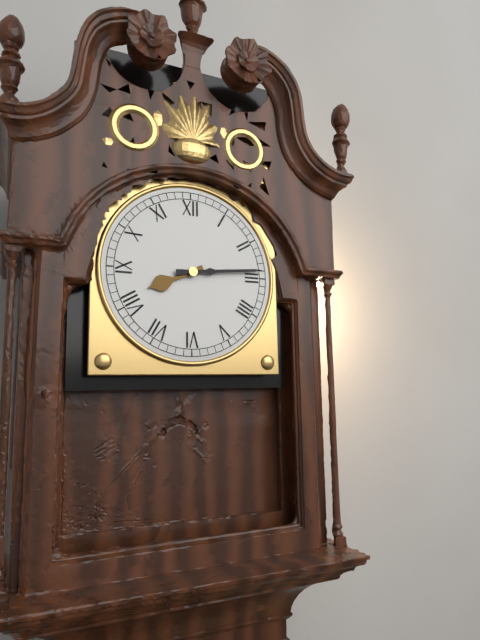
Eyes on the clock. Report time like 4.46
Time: 8.14
